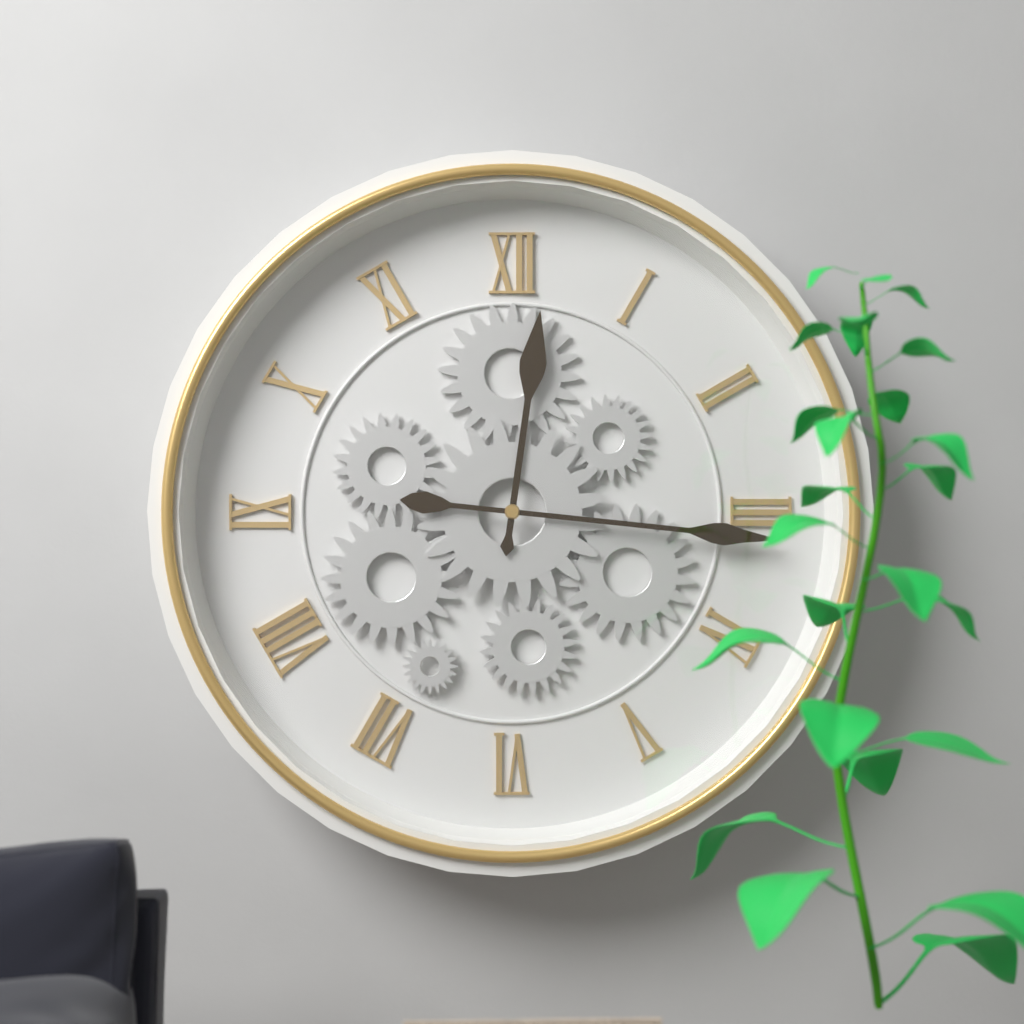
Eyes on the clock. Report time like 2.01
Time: 12.16
